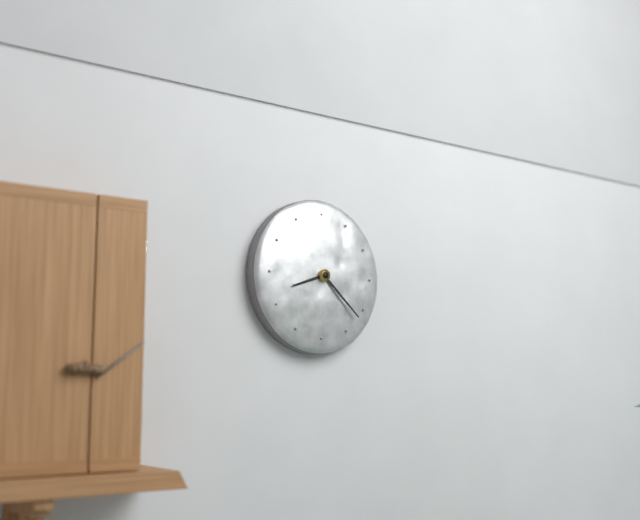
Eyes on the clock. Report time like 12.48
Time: 8.22
